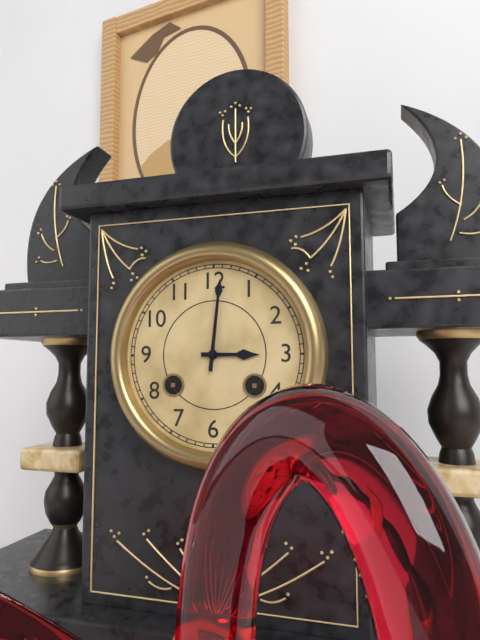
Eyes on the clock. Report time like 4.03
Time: 3.01
